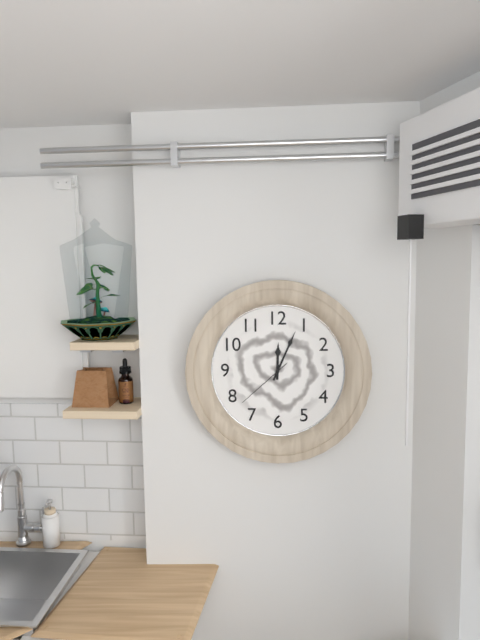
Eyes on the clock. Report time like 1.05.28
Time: 12.04.38
